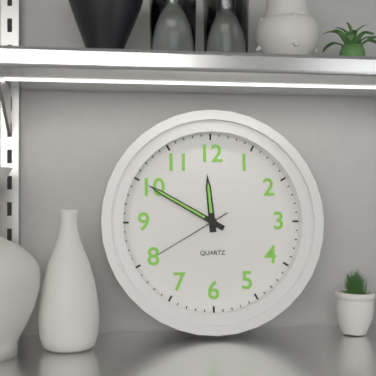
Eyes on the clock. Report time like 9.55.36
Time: 11.50.40
